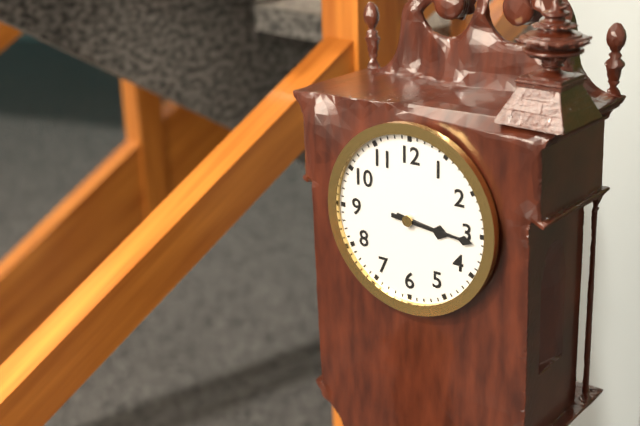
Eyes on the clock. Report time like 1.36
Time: 3.16
